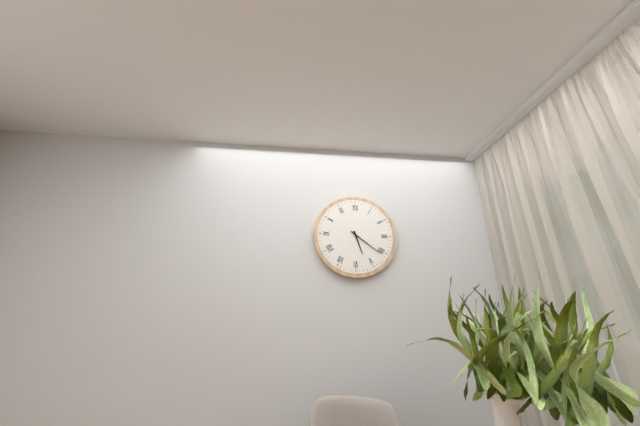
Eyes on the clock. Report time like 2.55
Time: 5.21
